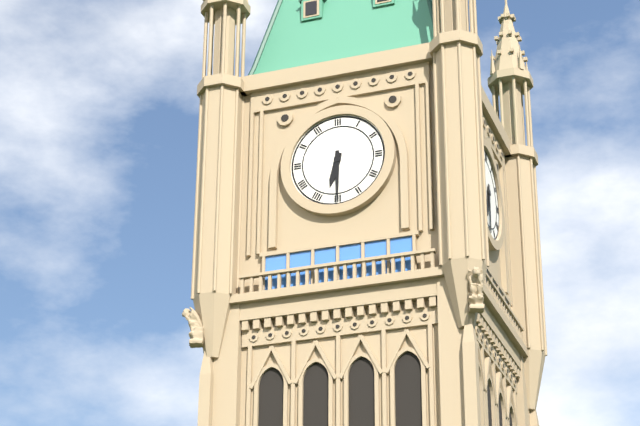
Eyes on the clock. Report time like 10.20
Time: 6.30
